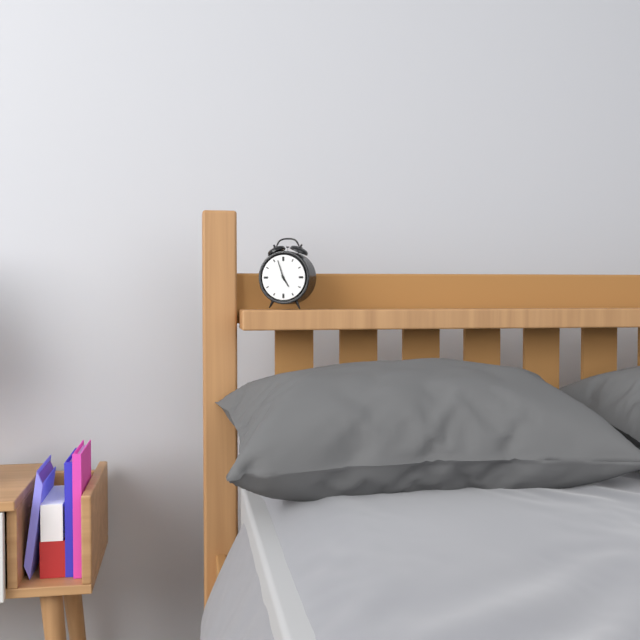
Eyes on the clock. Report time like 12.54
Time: 4.57
